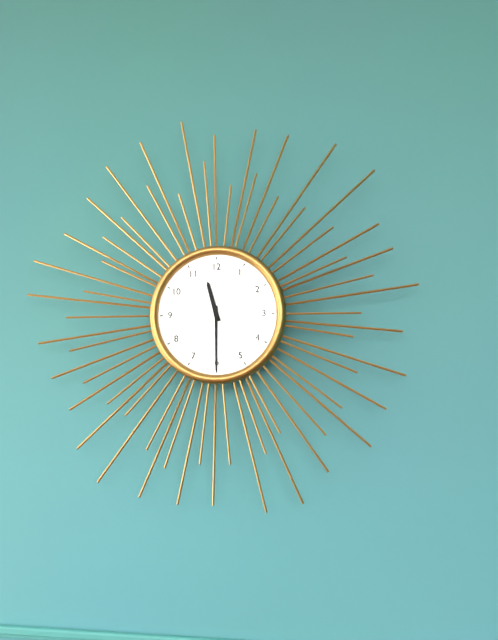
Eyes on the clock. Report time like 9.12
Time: 11.30
